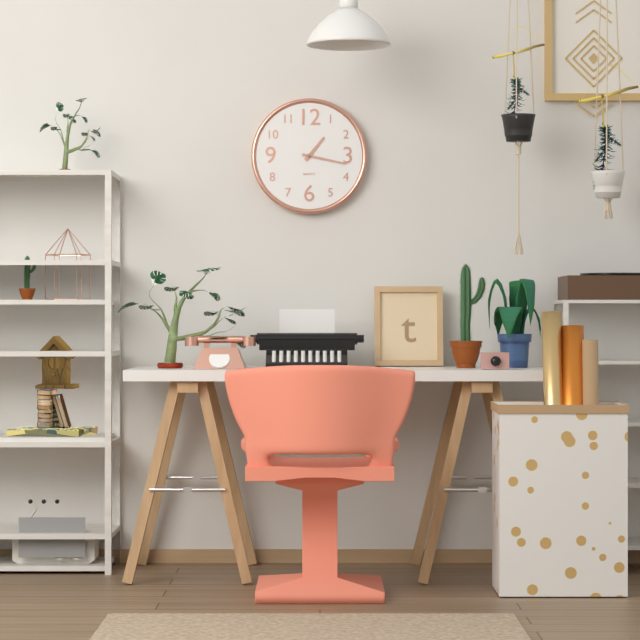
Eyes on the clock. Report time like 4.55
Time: 1.17
